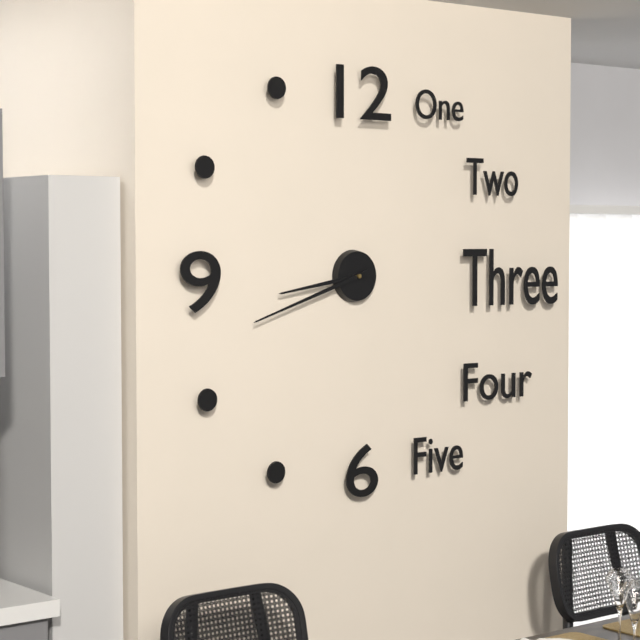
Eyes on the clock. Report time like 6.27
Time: 8.42
